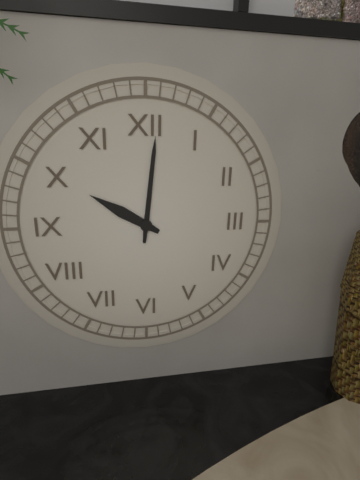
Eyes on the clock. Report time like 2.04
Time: 10.01
